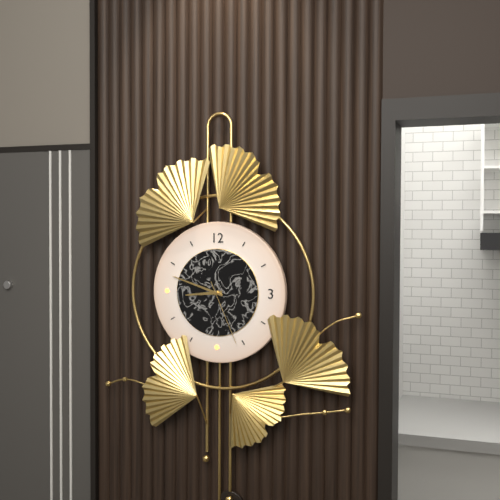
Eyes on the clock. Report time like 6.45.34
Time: 8.48.26
